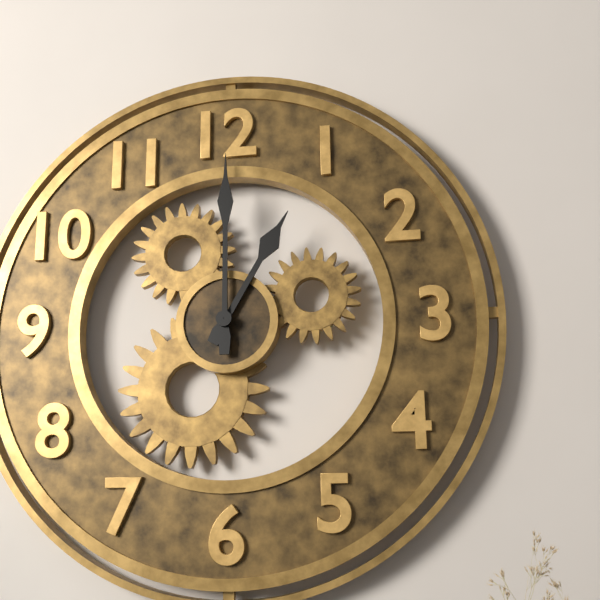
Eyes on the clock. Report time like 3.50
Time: 1.00
